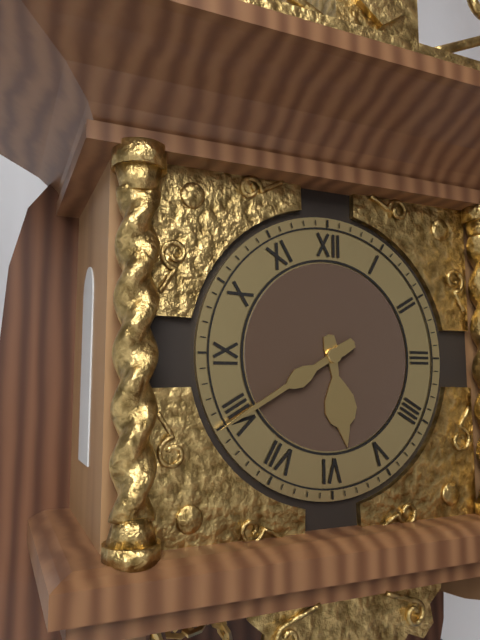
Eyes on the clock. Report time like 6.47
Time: 5.40
